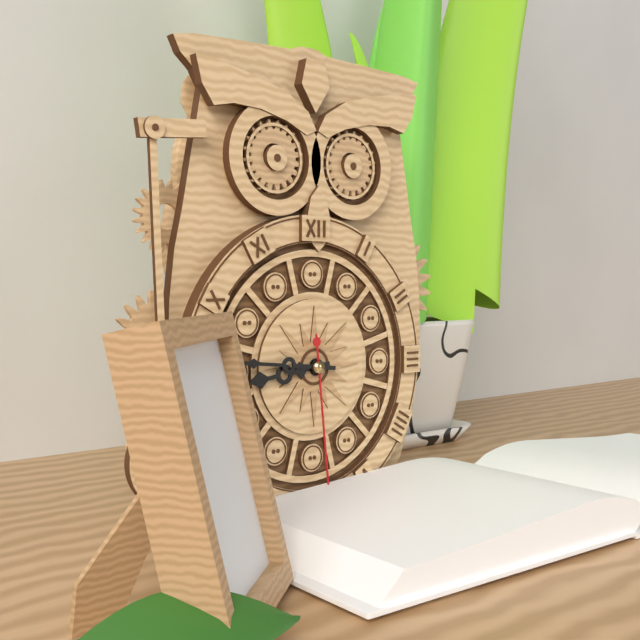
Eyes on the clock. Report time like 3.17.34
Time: 8.46.29
